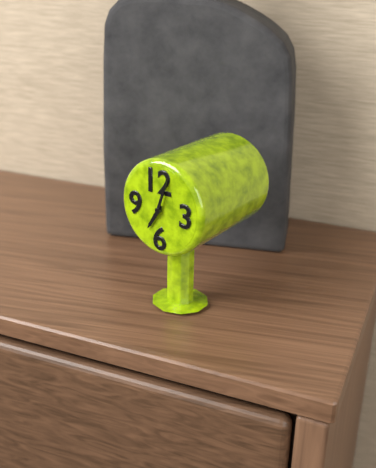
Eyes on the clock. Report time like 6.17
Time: 7.03
